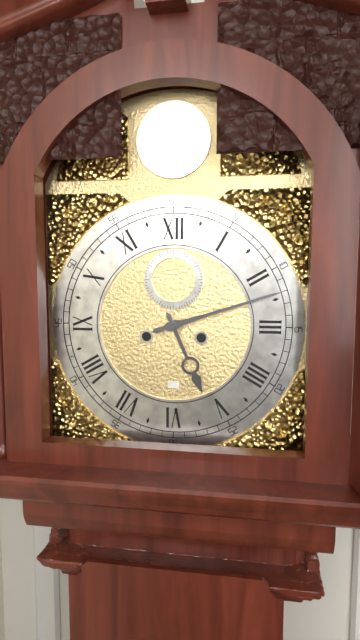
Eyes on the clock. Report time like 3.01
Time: 5.12
